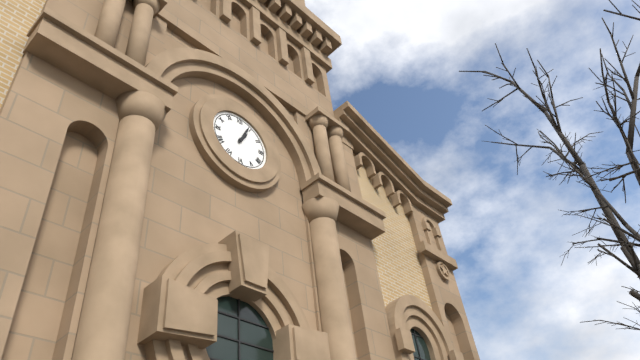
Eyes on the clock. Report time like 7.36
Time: 1.04
